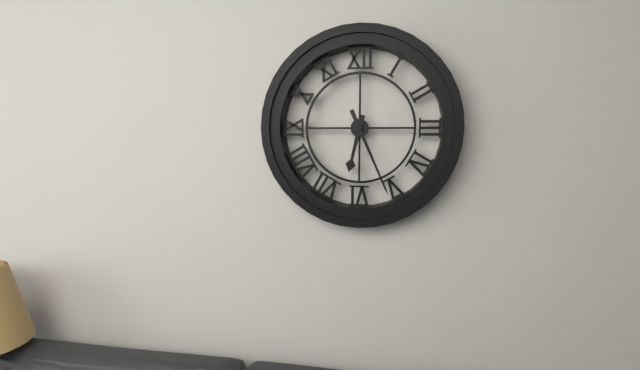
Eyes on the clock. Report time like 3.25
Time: 6.26
